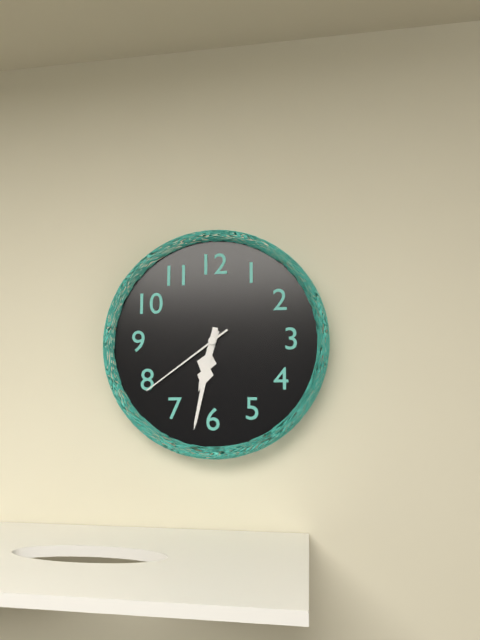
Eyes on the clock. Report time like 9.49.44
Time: 6.32.39
